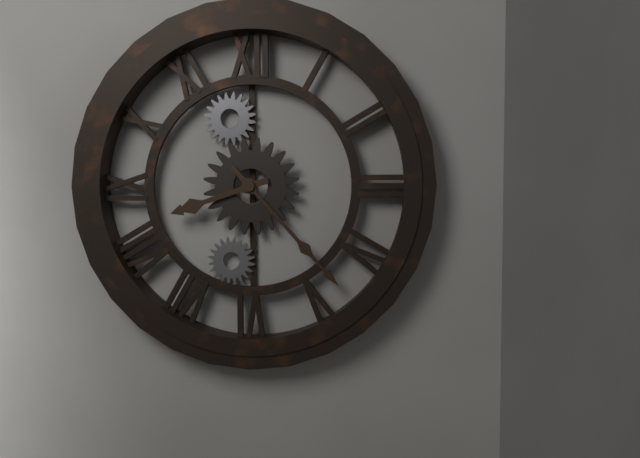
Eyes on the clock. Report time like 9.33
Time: 8.23
